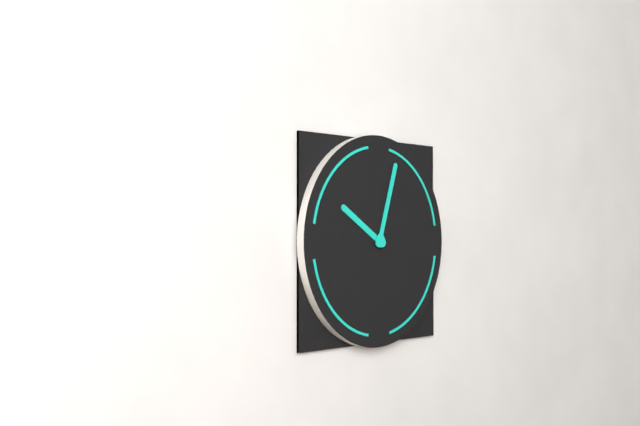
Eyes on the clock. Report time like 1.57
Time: 10.03
